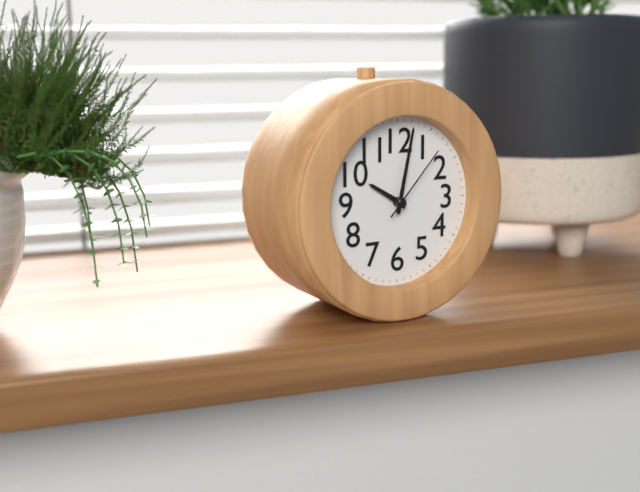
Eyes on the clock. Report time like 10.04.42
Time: 10.02.07
